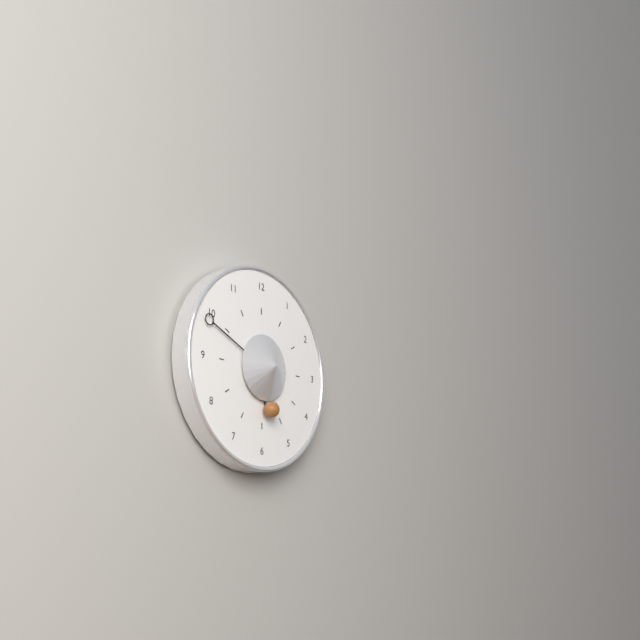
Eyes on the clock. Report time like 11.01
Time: 5.49
